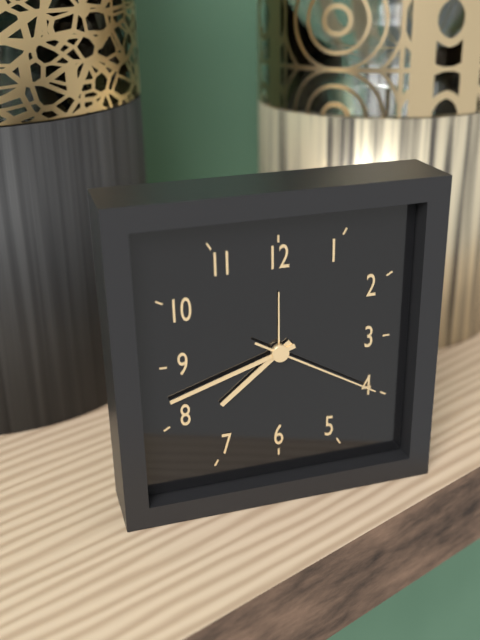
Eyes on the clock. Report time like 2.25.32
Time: 7.42.20
